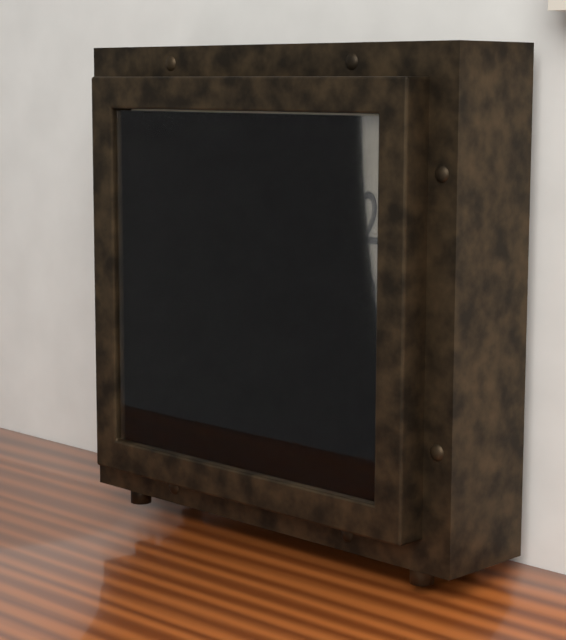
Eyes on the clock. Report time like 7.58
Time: 6.34
